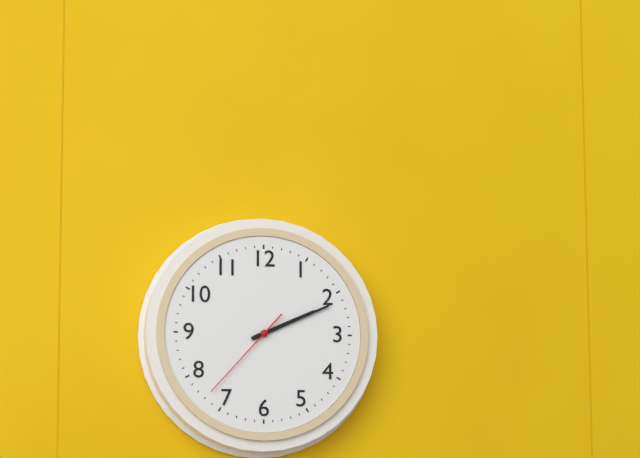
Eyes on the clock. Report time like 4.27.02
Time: 2.11.37
